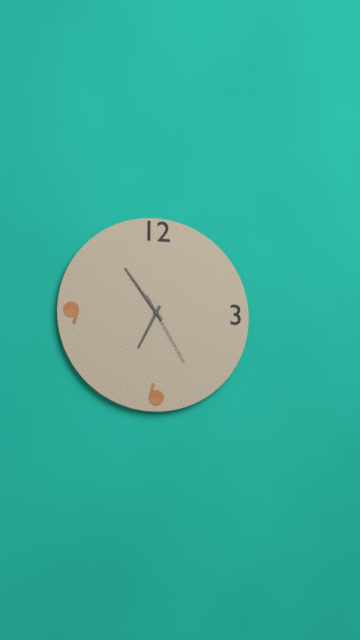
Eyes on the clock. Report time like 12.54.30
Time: 6.54.25
